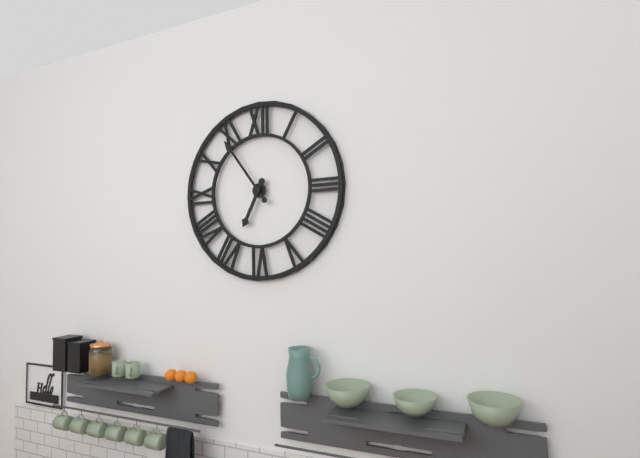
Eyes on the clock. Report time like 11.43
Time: 6.54
